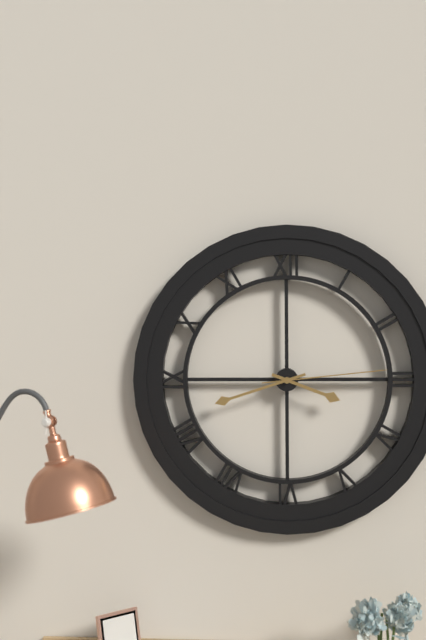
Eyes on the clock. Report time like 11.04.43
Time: 3.42.14
